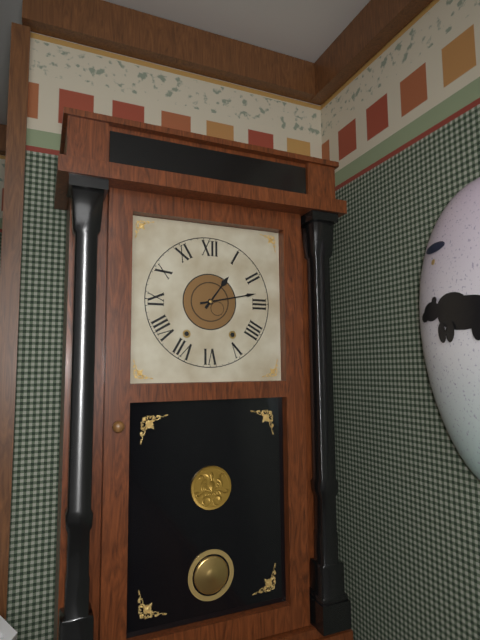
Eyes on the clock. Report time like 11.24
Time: 1.13
